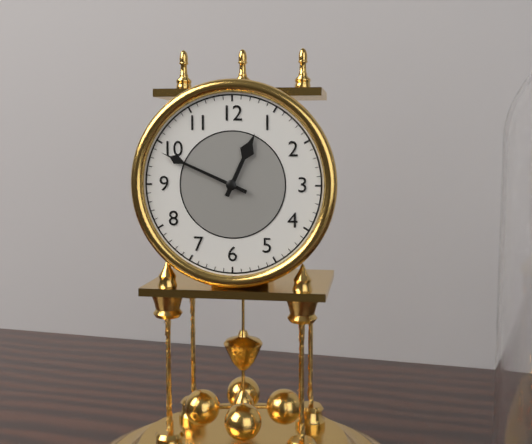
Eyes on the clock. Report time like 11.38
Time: 12.49
